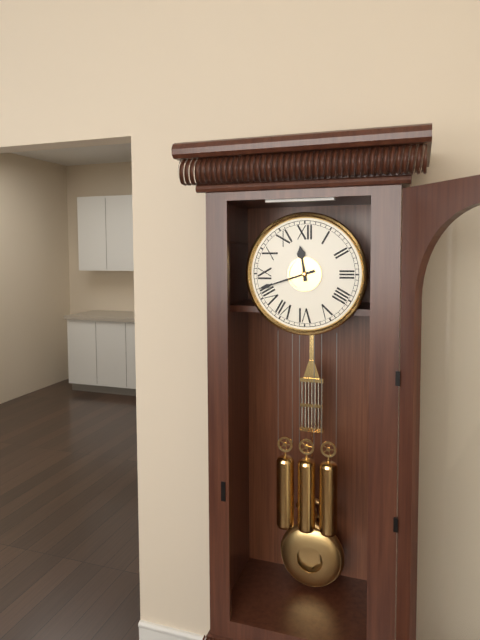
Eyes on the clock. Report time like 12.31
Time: 11.42
